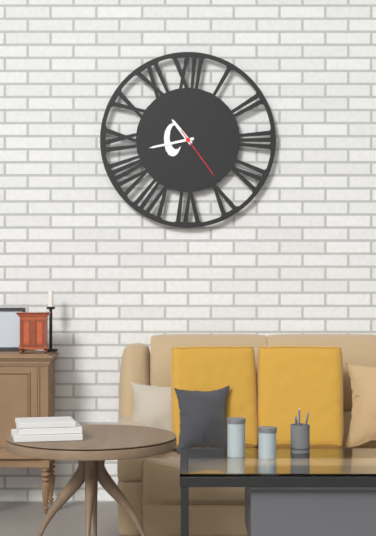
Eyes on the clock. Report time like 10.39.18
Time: 10.43.24
